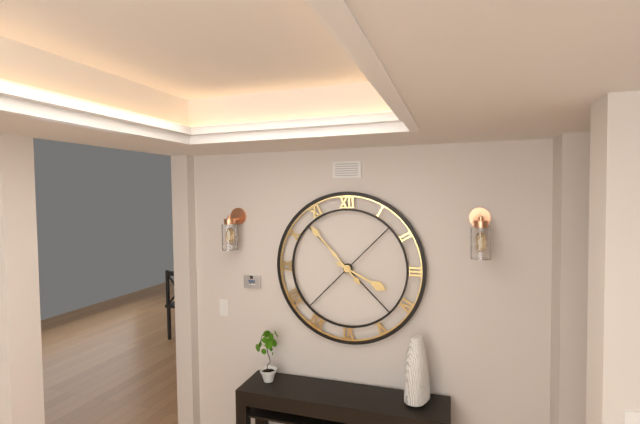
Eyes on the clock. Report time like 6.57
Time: 3.53
